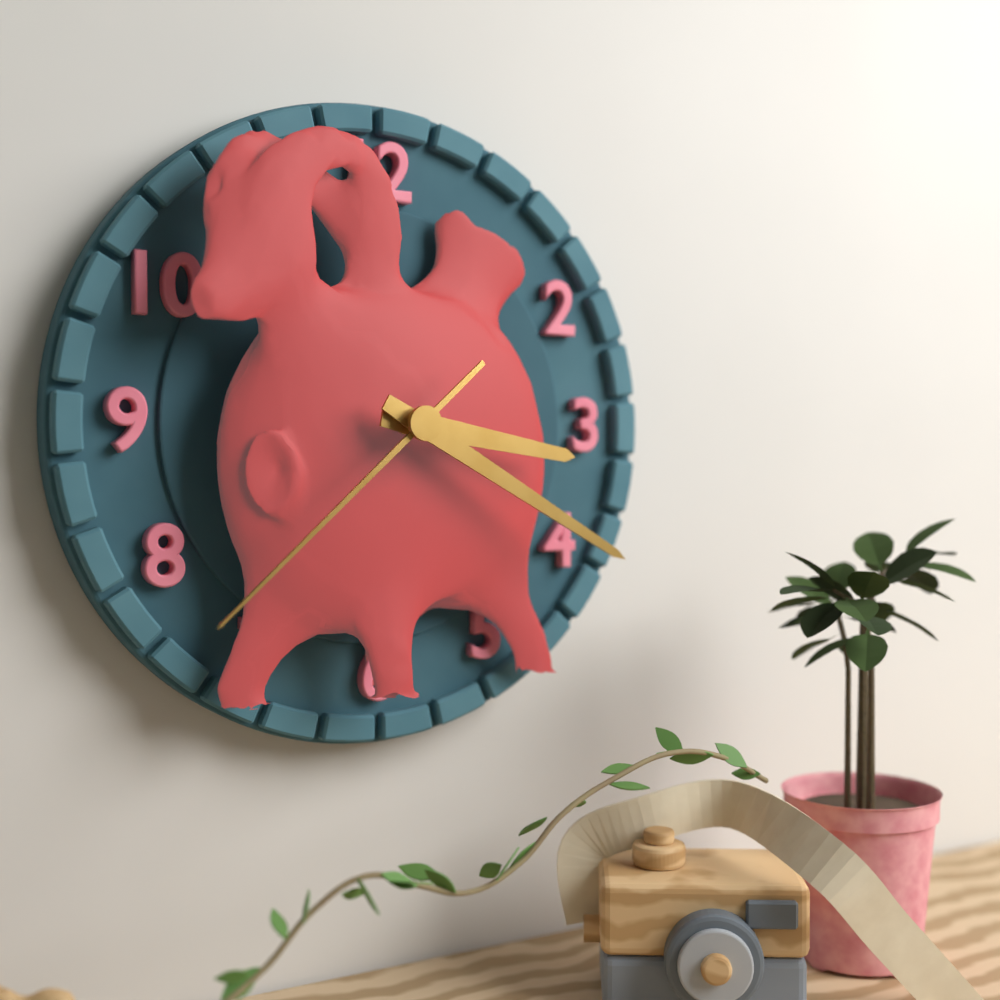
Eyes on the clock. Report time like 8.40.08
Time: 3.20.38
